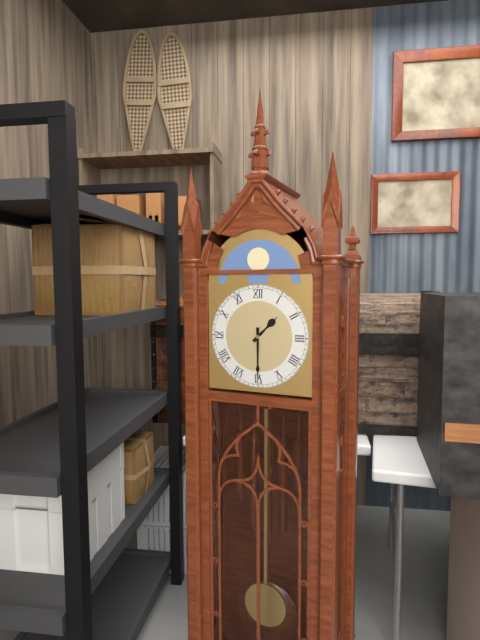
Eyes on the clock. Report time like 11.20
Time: 1.30
